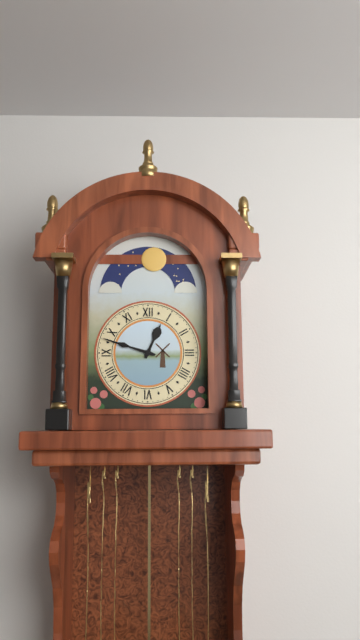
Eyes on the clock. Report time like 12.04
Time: 12.48
